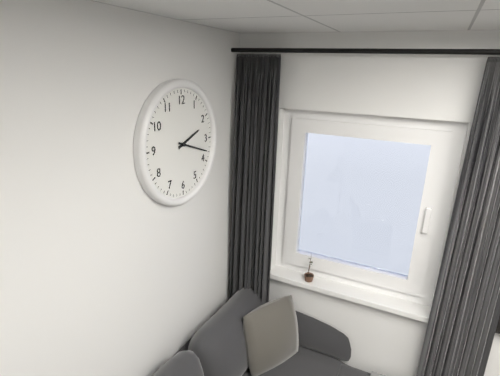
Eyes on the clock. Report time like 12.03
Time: 2.18
